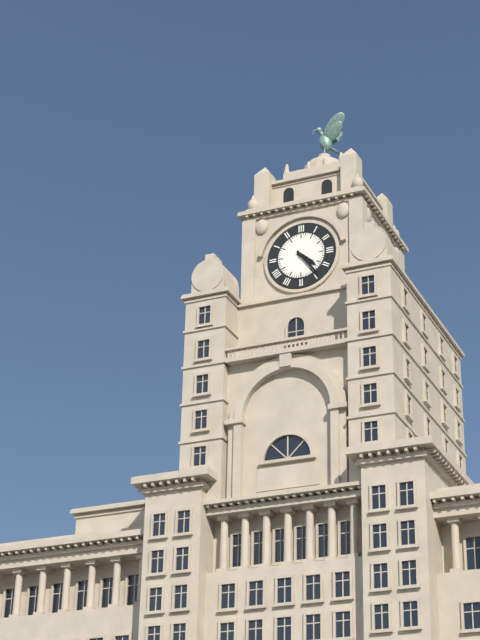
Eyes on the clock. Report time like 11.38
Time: 4.24
